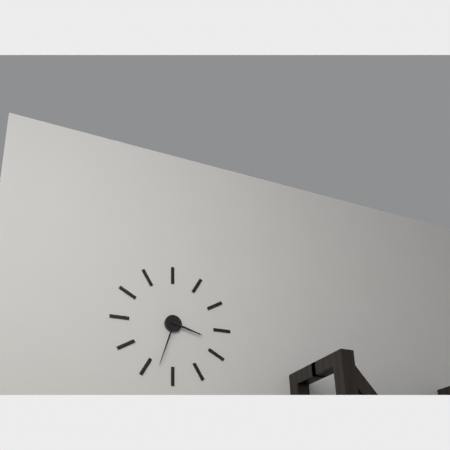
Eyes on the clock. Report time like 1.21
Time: 3.33
